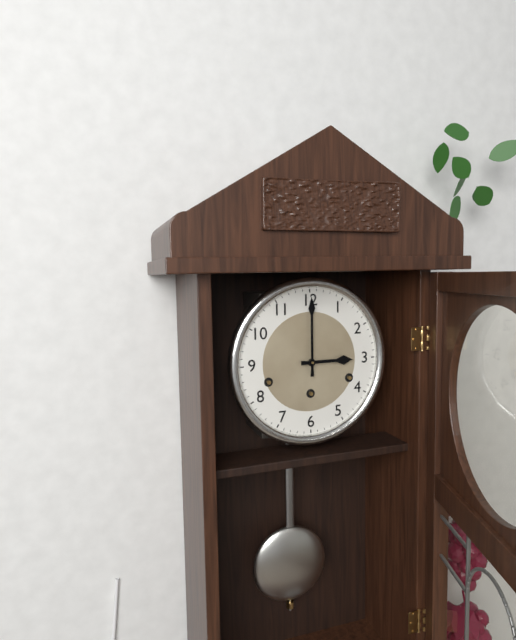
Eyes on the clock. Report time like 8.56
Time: 3.00
